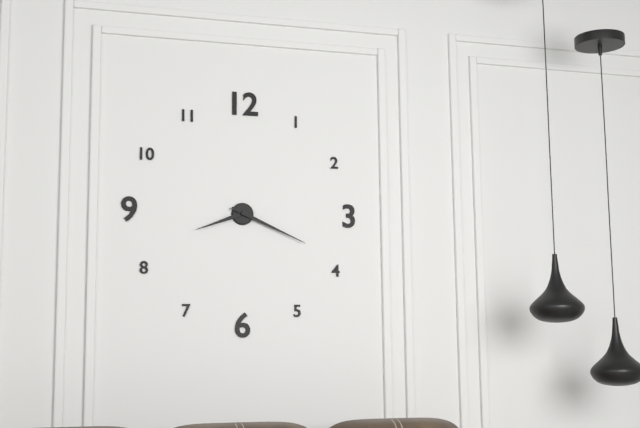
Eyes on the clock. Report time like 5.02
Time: 8.19
